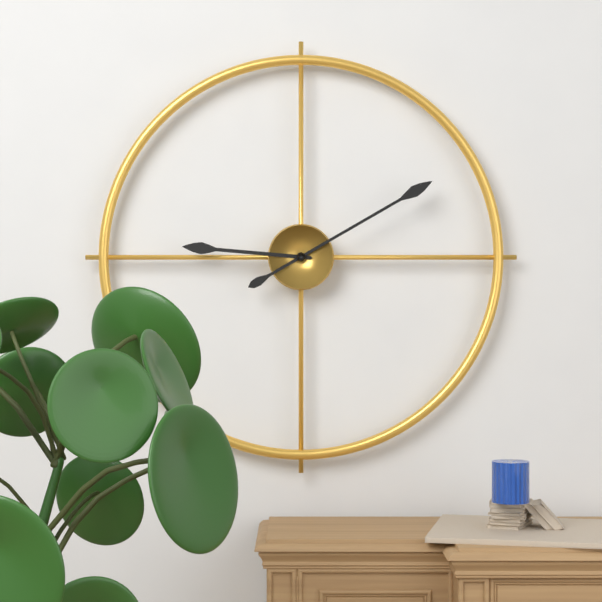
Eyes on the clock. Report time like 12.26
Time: 9.10
